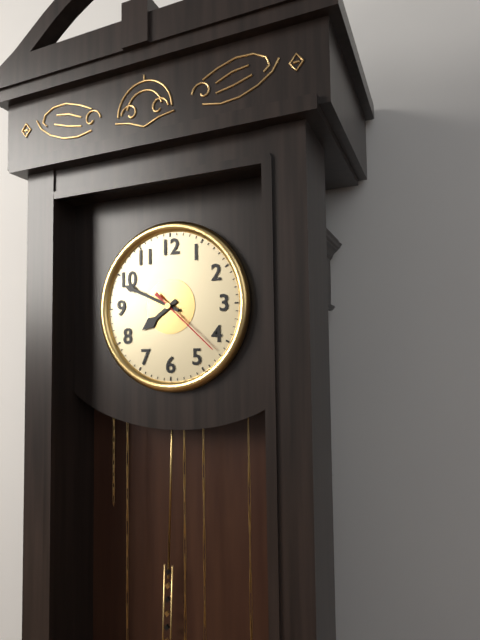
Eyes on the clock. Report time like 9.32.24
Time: 7.49.22
